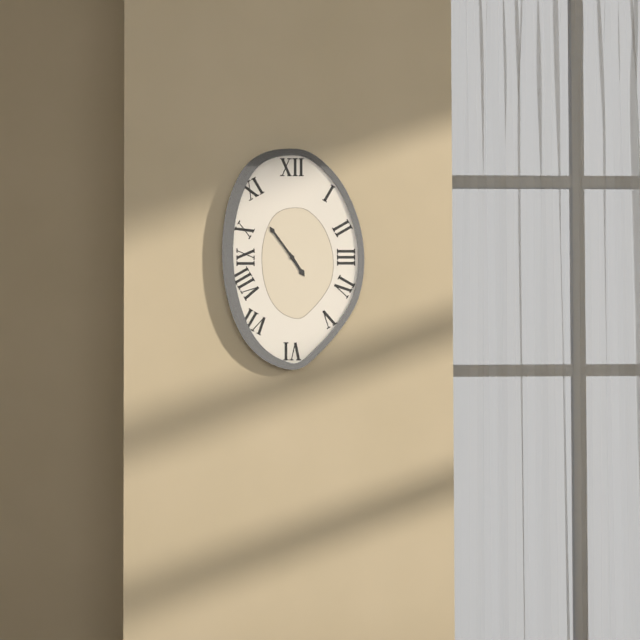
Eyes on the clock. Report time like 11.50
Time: 4.54
